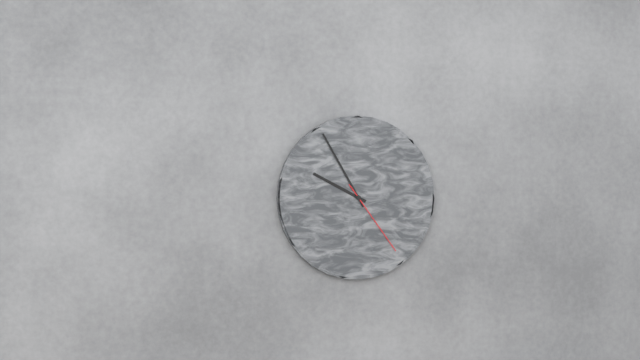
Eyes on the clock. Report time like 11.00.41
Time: 9.55.24
